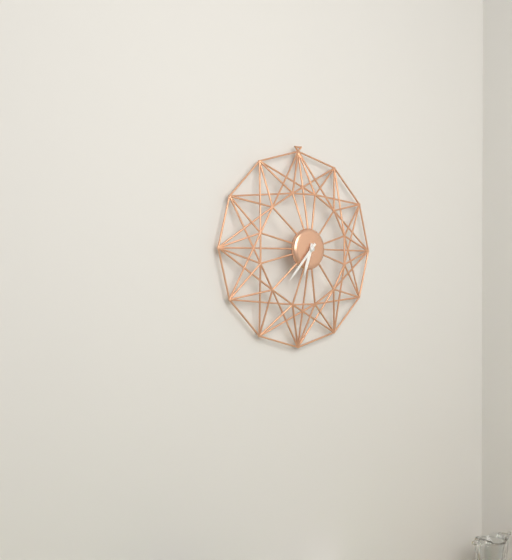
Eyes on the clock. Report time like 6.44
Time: 6.37
